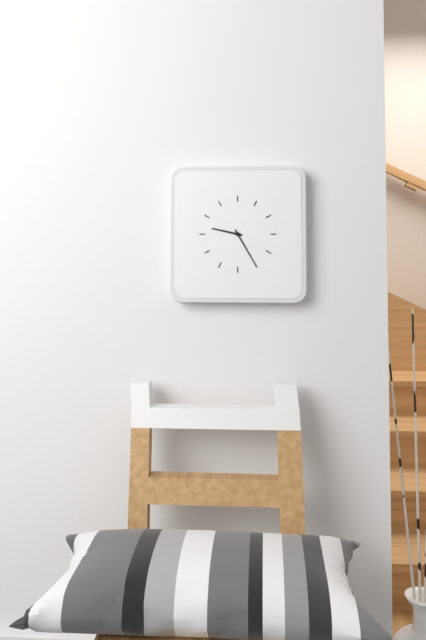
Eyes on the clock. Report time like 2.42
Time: 9.25
